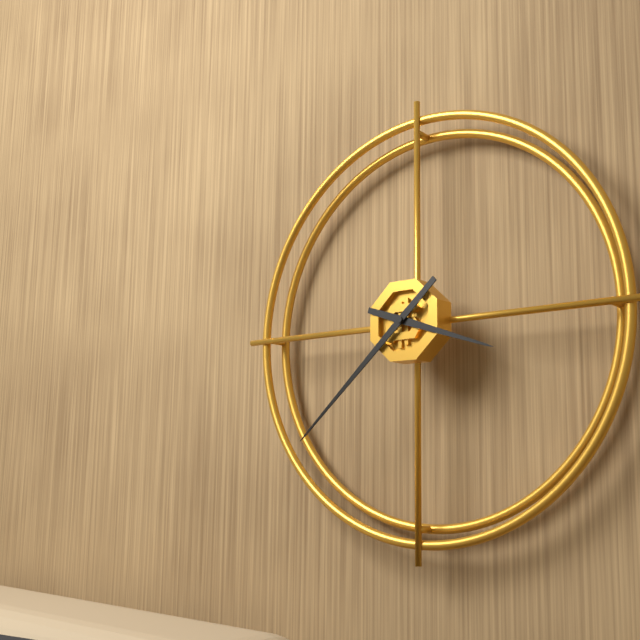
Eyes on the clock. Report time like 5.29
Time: 3.38
